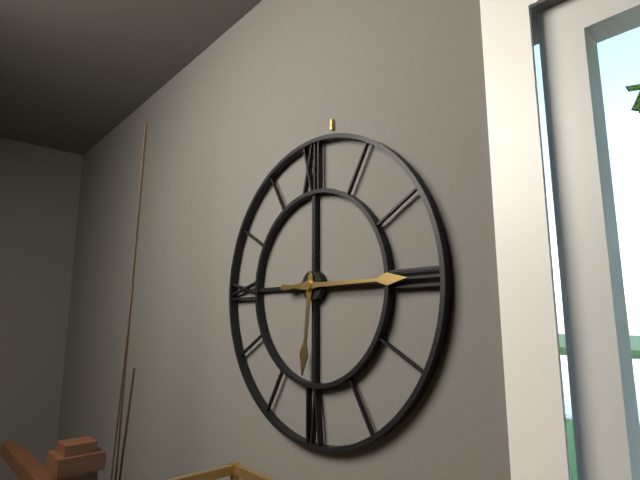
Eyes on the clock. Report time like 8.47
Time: 6.15
